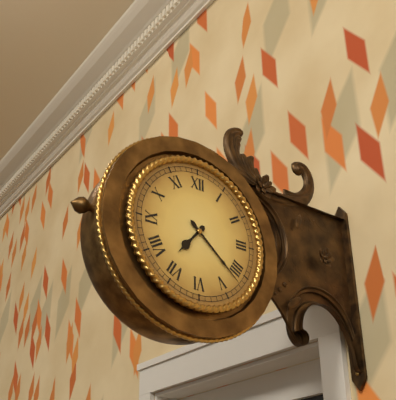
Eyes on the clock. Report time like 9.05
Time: 7.22
